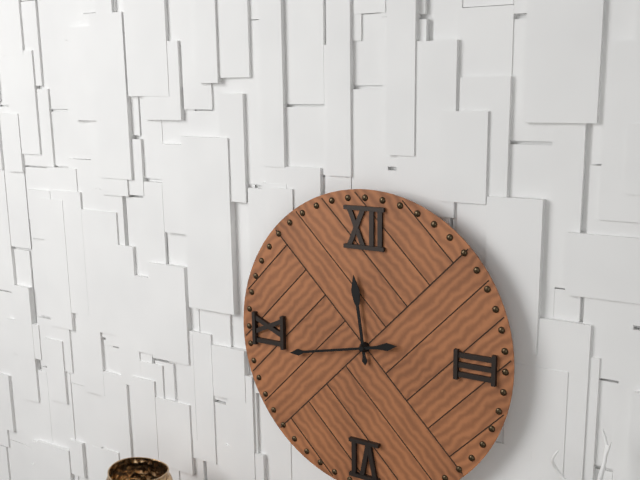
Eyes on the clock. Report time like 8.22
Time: 11.43
